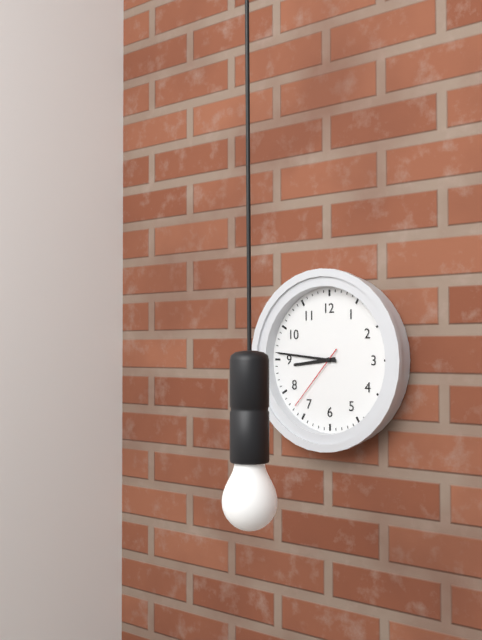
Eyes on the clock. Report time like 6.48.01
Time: 8.46.37
